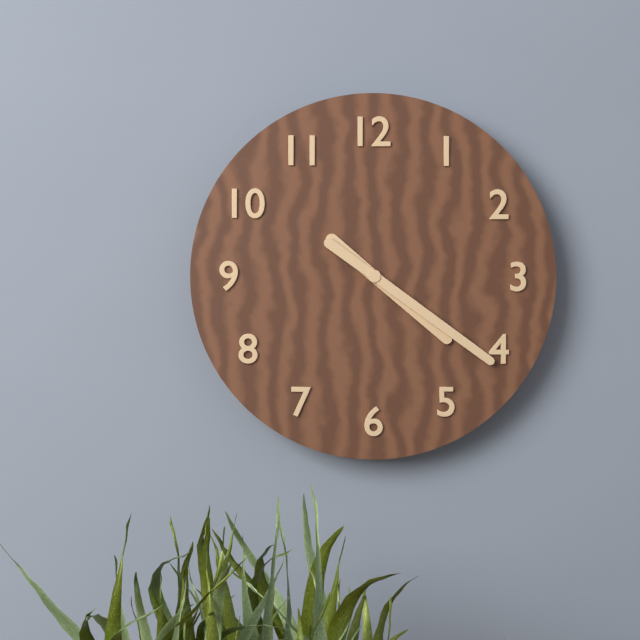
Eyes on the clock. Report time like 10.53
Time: 4.21
